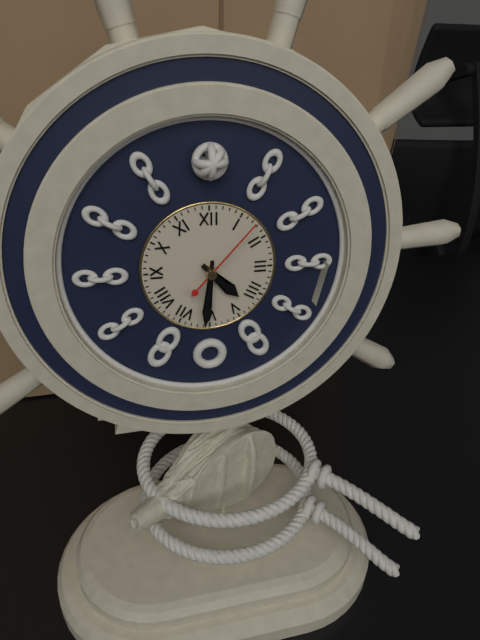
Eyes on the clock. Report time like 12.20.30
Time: 4.31.07
